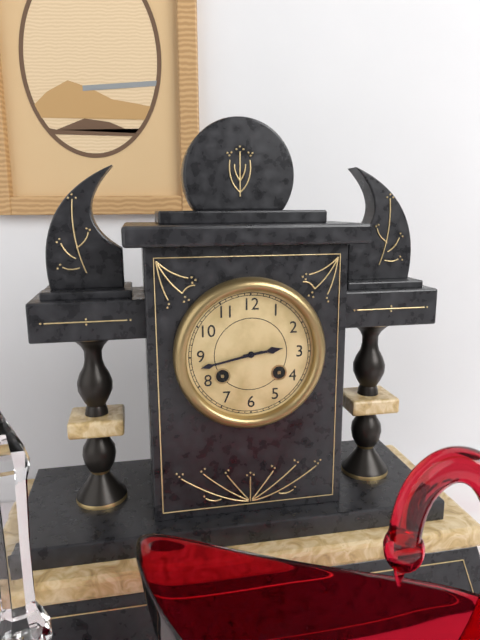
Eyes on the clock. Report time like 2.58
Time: 2.43
